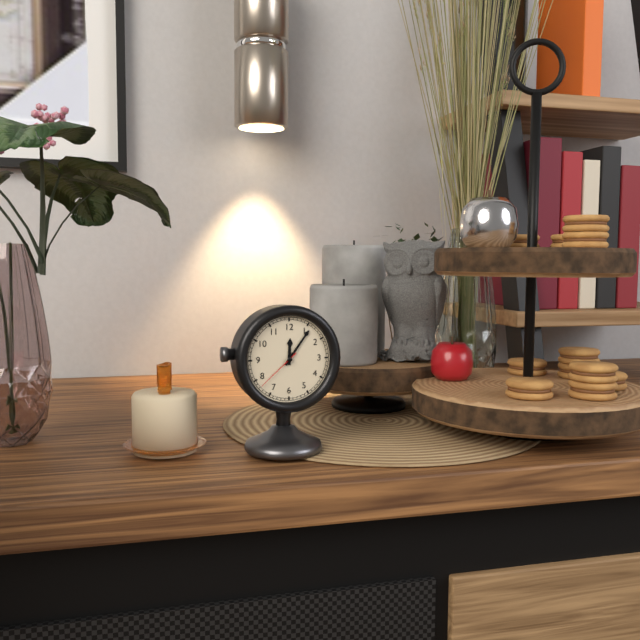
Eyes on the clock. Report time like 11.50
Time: 12.06
